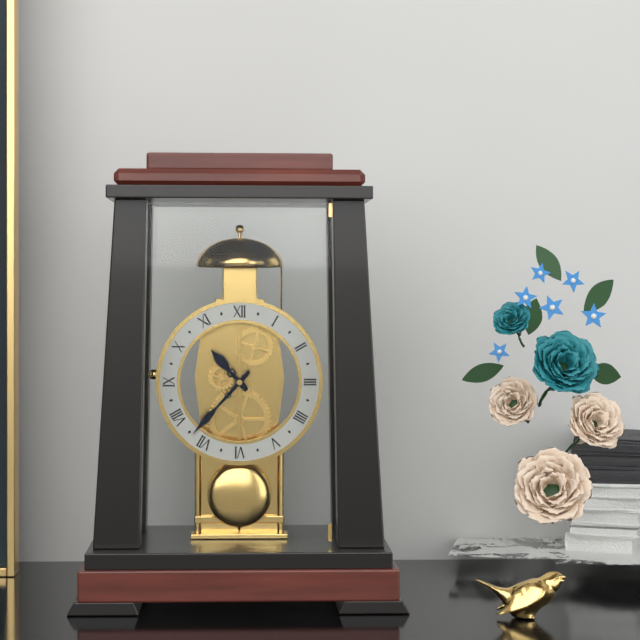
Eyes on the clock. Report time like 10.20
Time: 10.37
